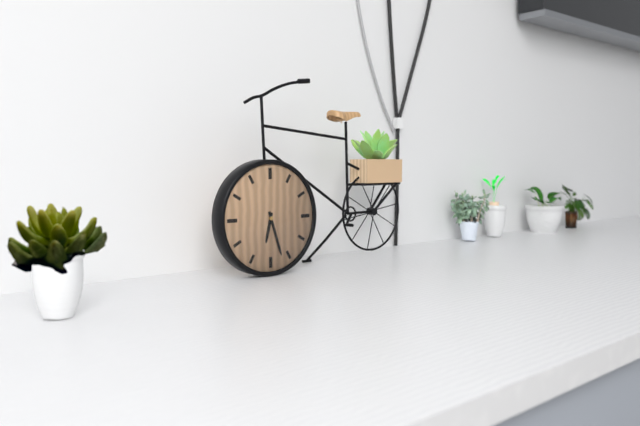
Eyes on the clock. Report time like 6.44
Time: 6.27
